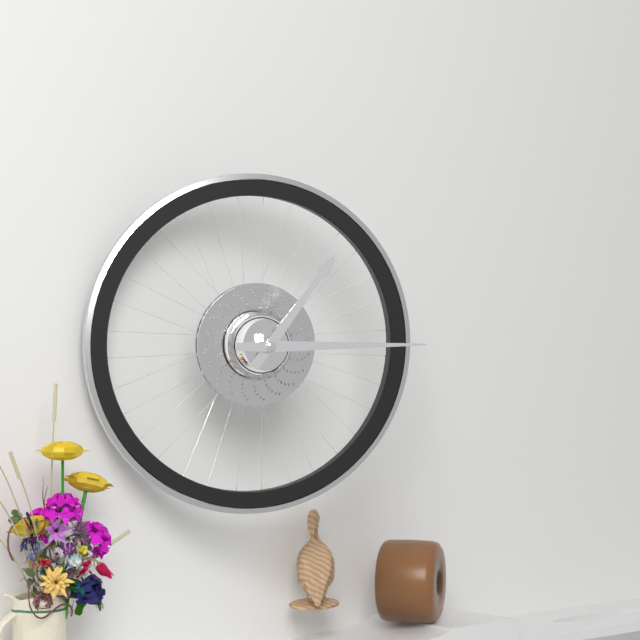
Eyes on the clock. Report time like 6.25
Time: 1.15
